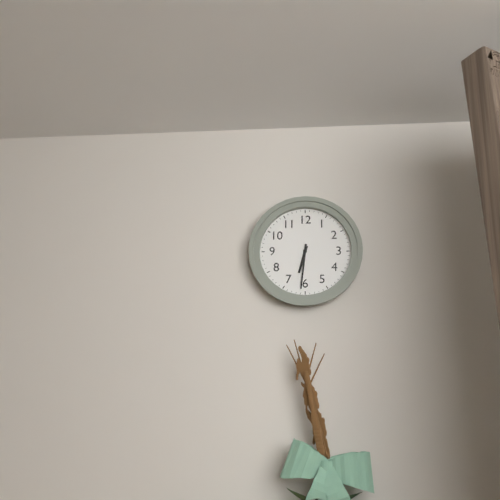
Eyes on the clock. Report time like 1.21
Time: 6.31
